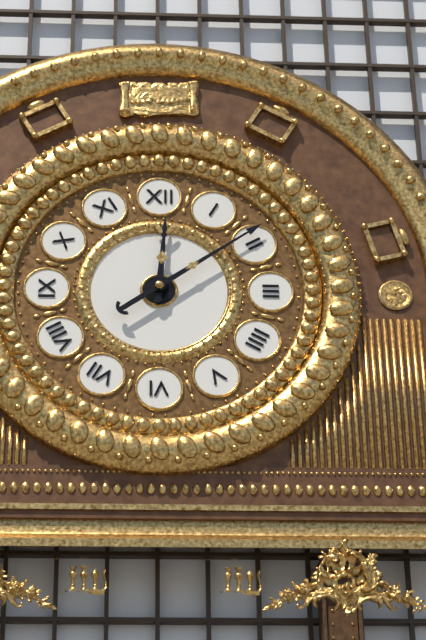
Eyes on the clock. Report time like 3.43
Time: 12.09
